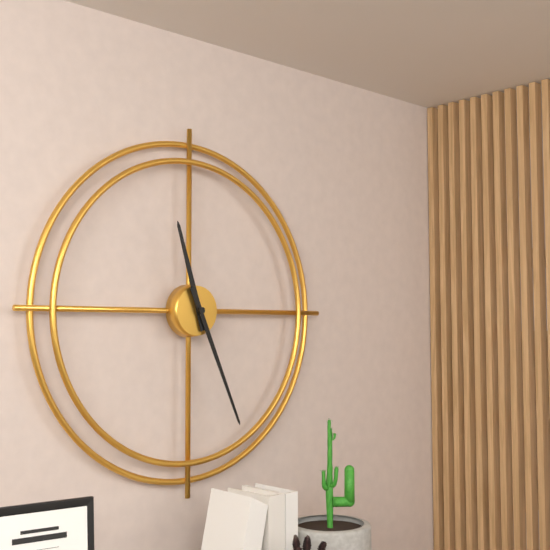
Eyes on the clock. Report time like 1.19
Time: 11.26
